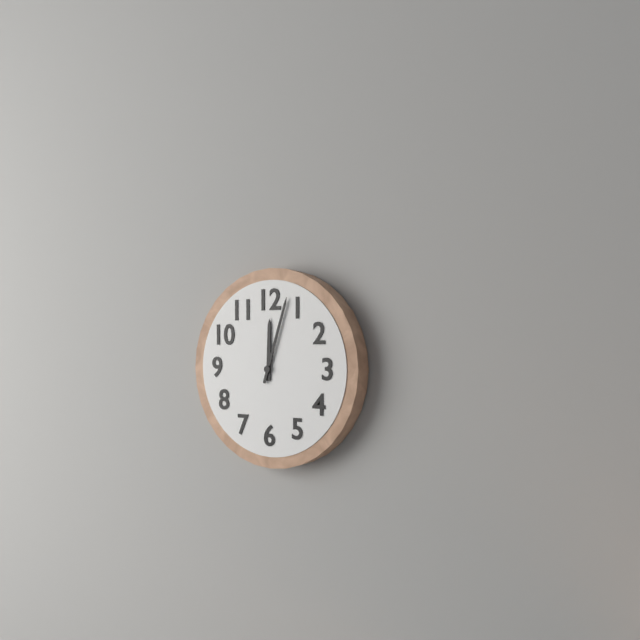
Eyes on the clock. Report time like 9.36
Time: 12.03
